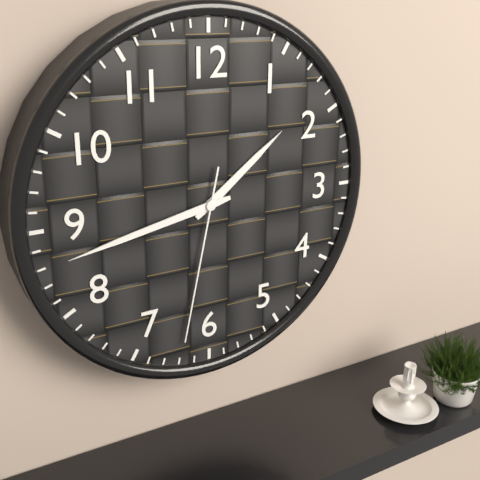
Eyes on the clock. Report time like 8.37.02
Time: 1.43.32
